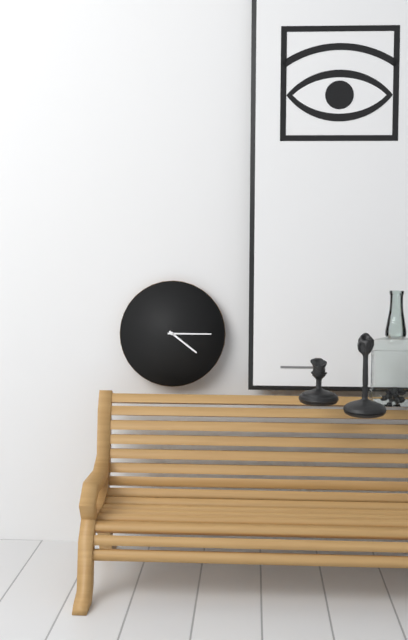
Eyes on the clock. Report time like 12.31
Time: 4.15
